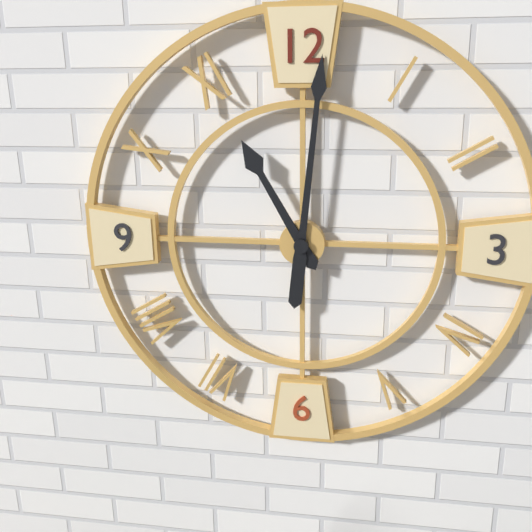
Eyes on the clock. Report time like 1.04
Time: 11.01
